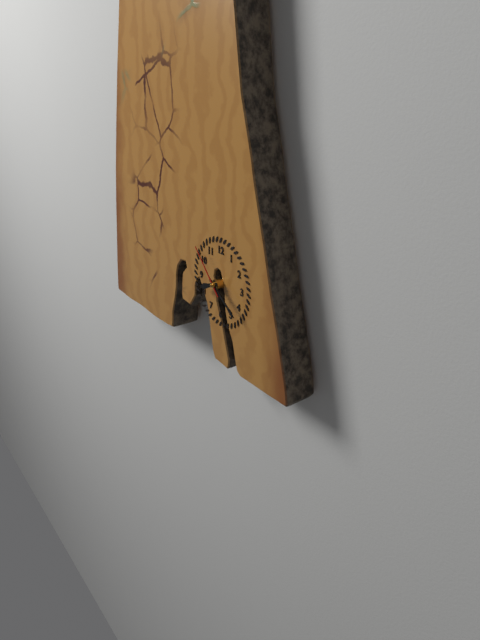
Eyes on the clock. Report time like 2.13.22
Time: 8.21.53
